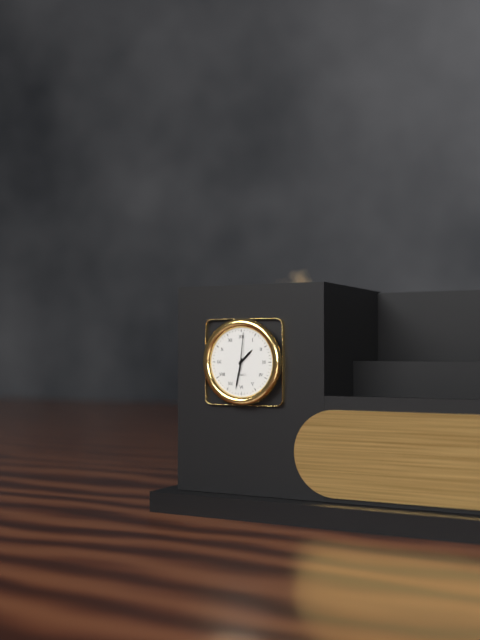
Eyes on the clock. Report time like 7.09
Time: 1.32
